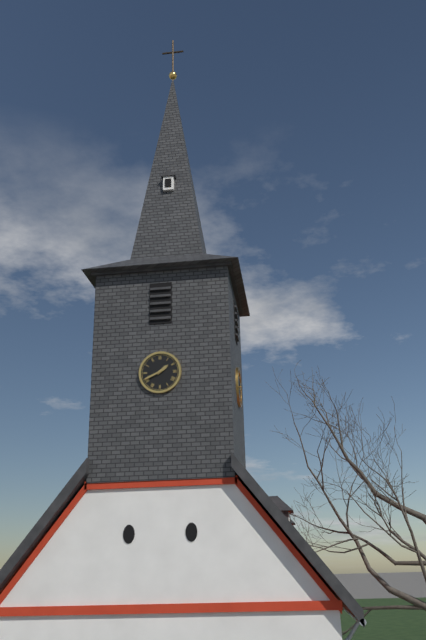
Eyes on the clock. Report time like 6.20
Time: 1.41
